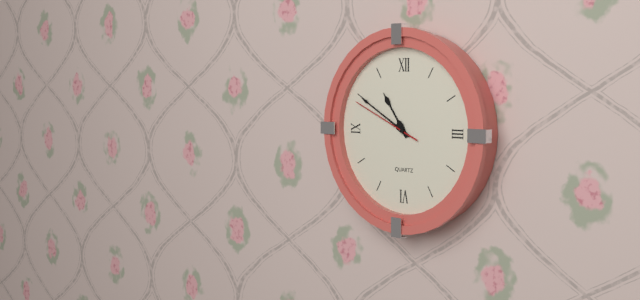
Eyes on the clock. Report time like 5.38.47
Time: 10.50.49
